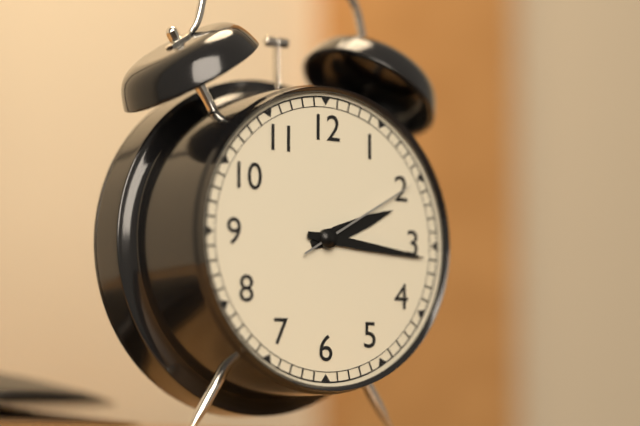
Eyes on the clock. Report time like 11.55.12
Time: 2.16.10
